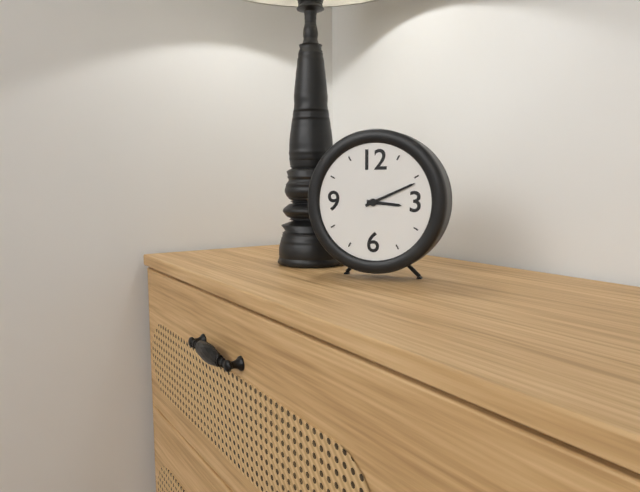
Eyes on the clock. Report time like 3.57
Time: 3.11
